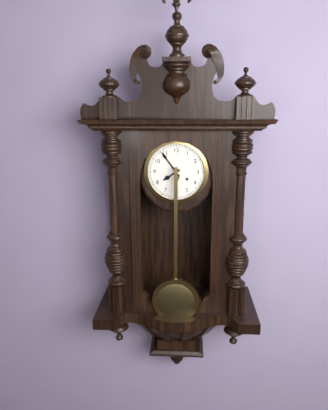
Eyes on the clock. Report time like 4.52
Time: 7.54
